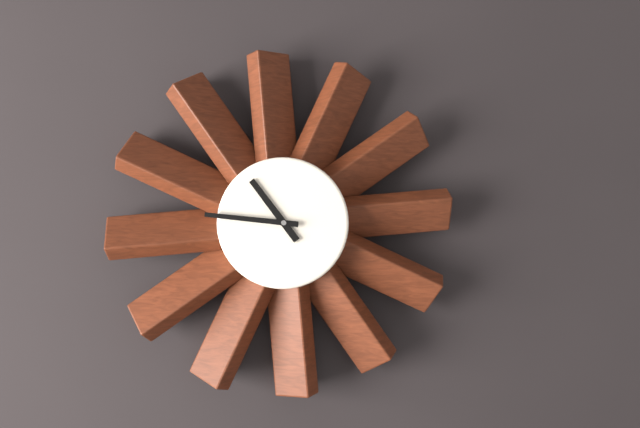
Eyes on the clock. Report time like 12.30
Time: 10.46
